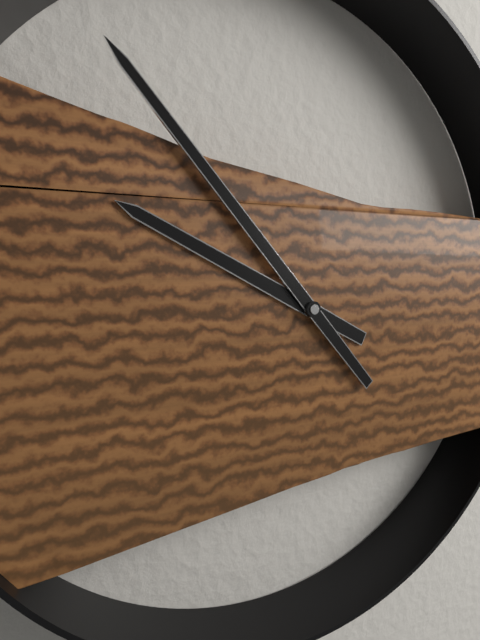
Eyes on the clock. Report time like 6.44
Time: 9.53
